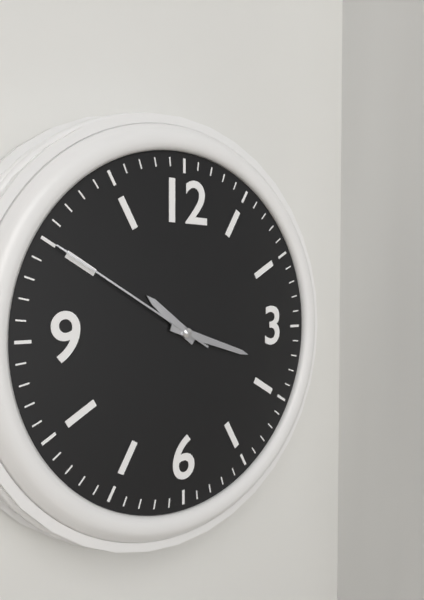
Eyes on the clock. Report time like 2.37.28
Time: 10.18.50
